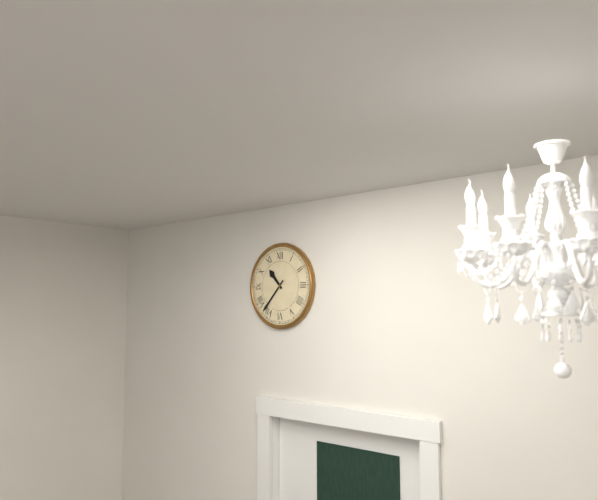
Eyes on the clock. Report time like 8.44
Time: 10.37
